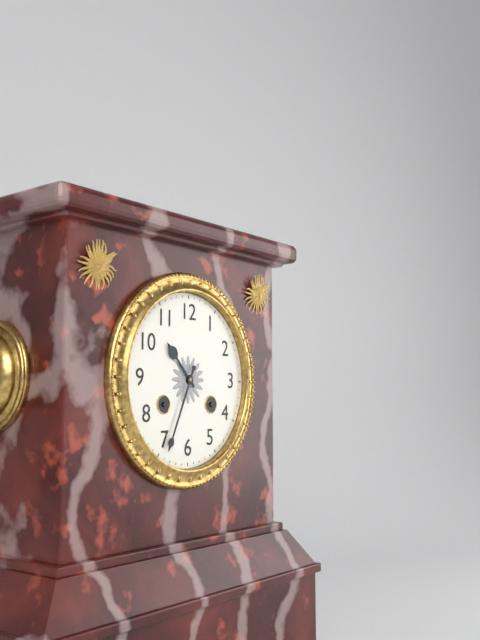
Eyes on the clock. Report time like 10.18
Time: 10.34
